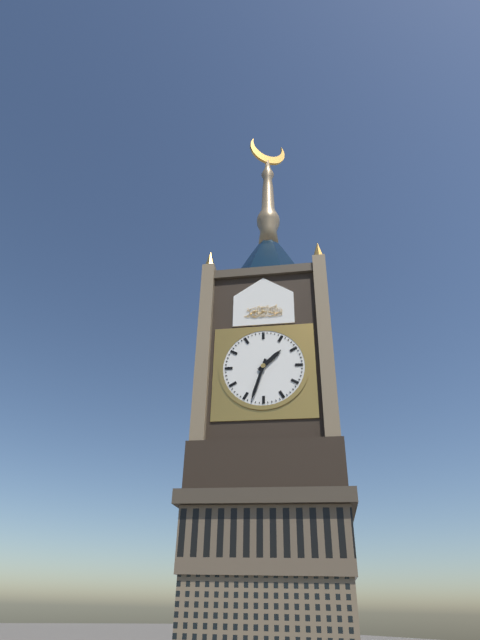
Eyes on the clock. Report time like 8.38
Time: 1.33
